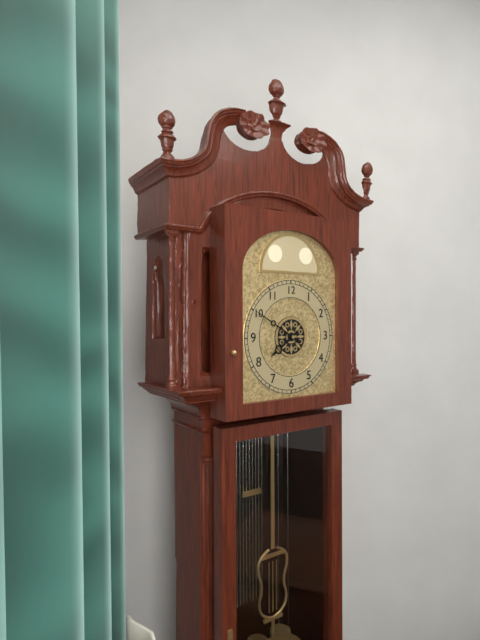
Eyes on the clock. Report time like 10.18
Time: 7.50
